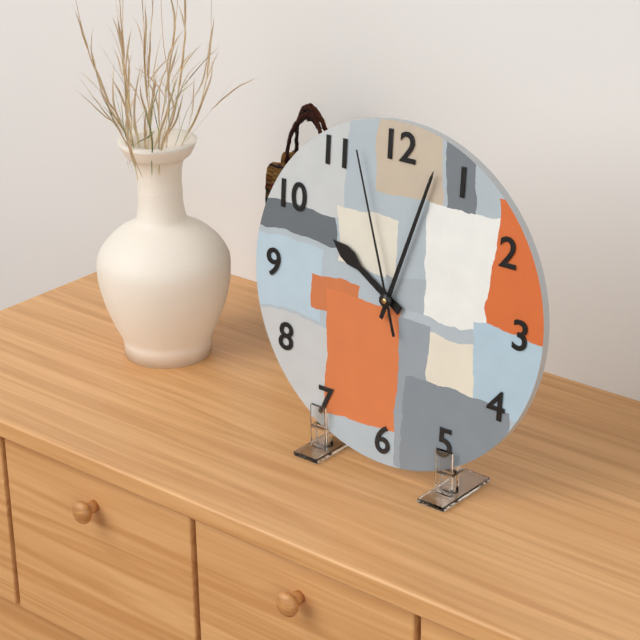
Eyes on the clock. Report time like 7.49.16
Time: 10.03.57
